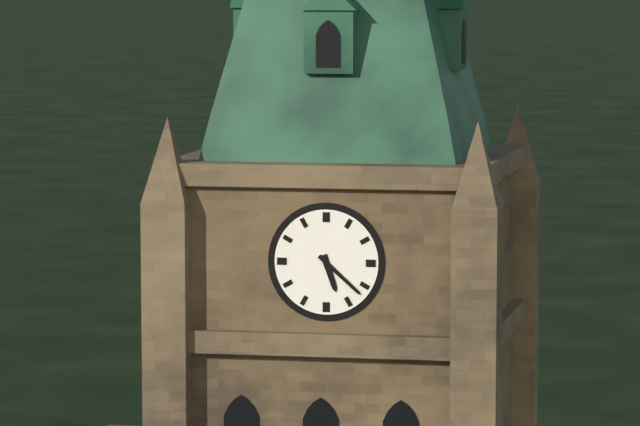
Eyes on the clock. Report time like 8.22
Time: 5.22
